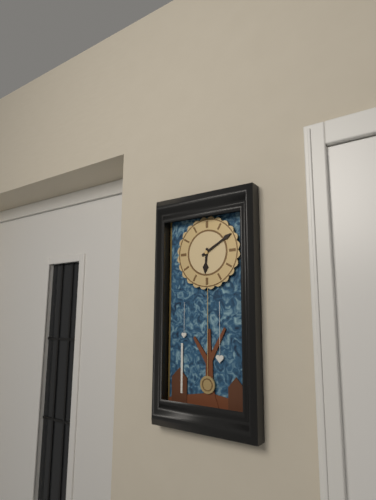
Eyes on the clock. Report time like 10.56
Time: 6.10
